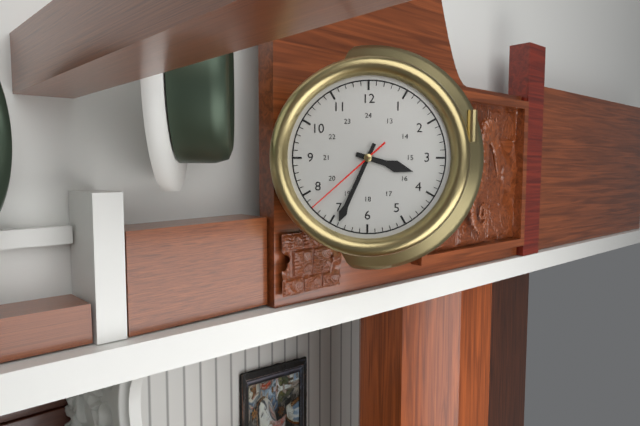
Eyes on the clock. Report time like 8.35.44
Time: 3.34.38
